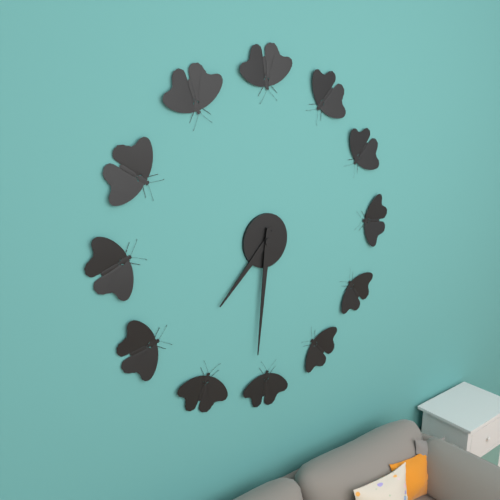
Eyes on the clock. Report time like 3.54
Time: 7.31
